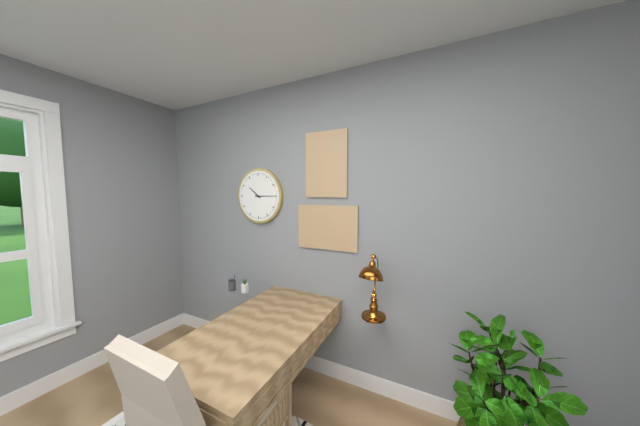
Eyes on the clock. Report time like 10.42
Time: 10.15
